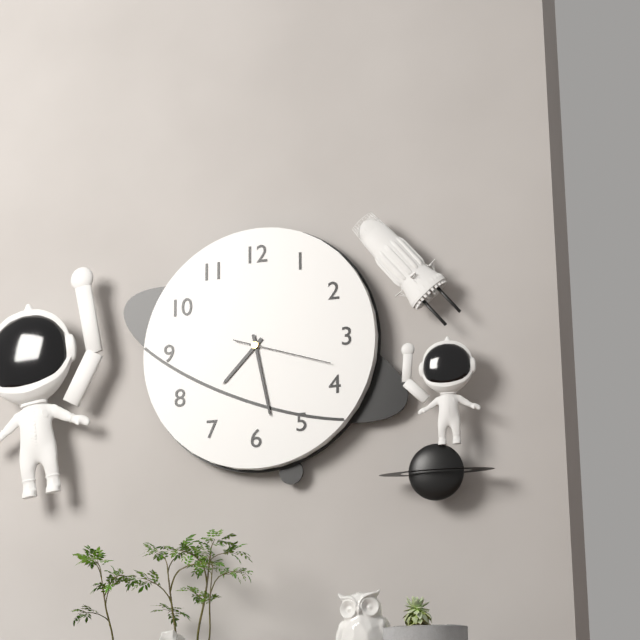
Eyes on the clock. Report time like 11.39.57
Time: 7.28.18
